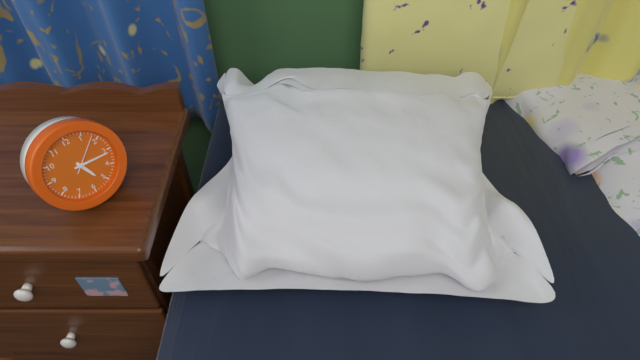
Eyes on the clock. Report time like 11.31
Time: 5.16
